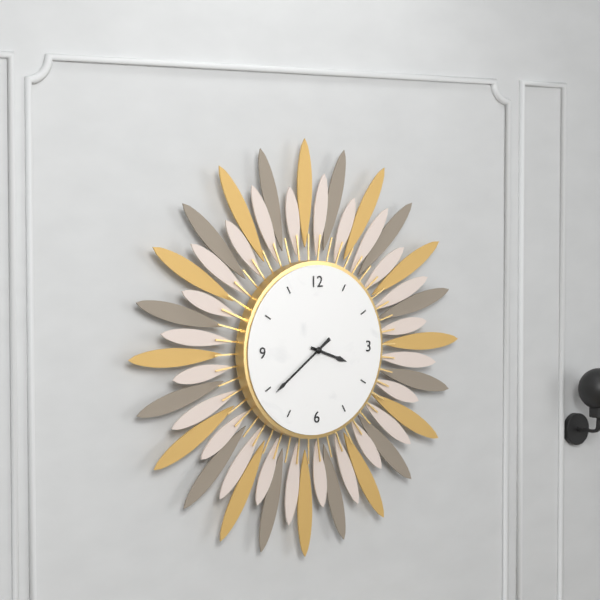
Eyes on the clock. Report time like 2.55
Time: 3.39
